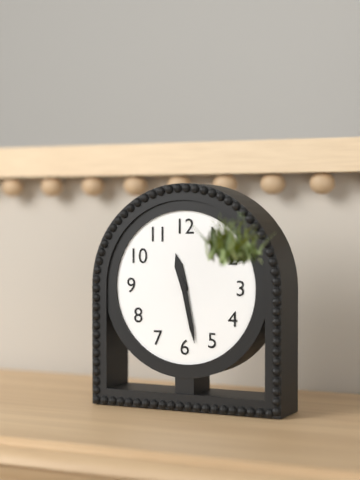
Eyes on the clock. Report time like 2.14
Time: 11.28
